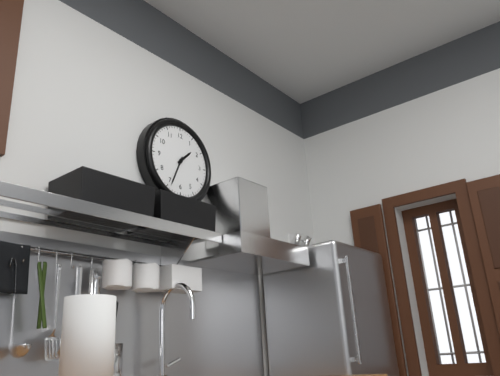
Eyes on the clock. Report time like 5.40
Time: 1.34
